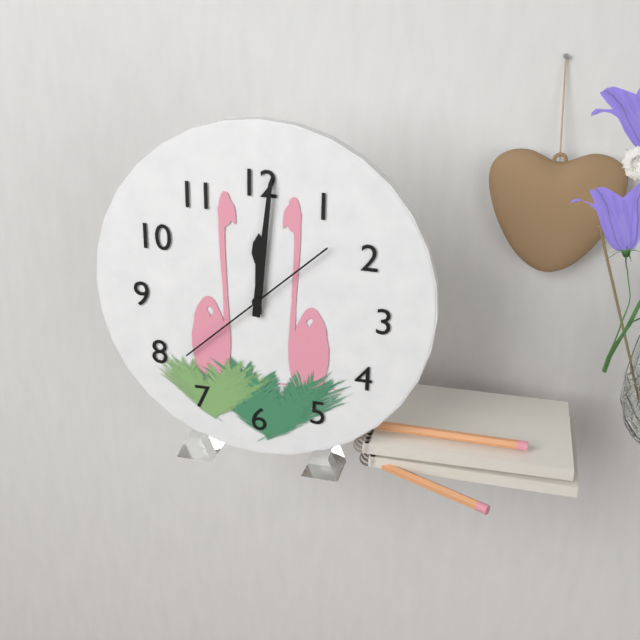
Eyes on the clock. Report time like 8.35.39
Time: 12.01.38
